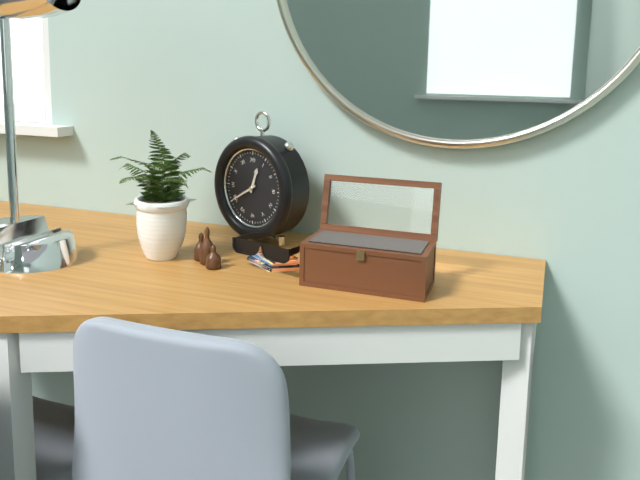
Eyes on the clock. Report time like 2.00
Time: 12.40
